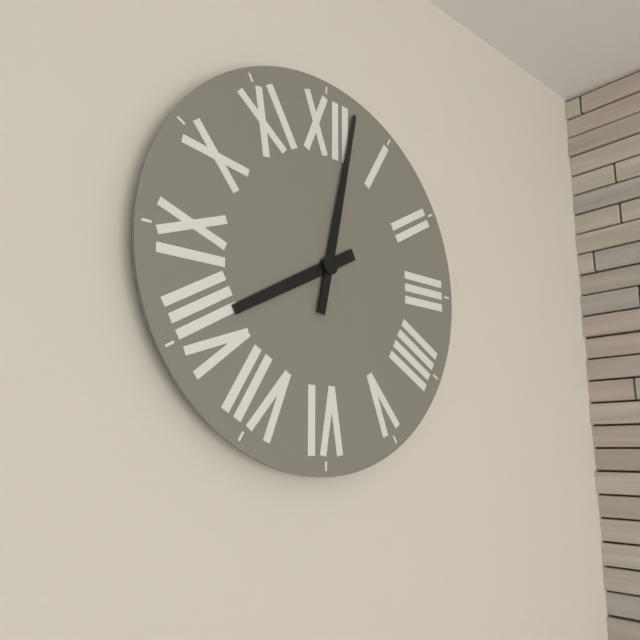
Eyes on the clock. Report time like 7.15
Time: 8.02
